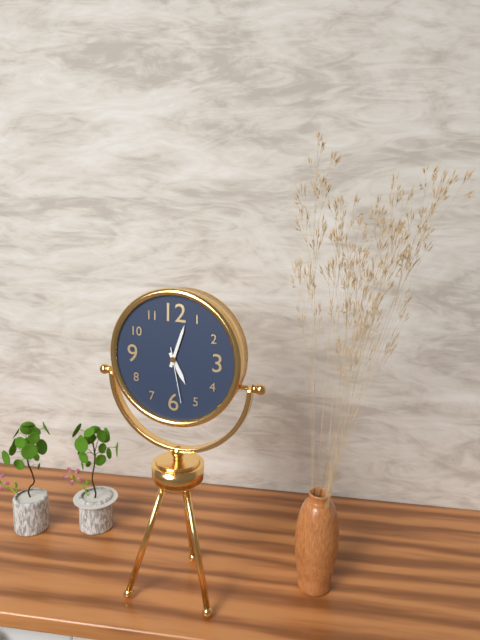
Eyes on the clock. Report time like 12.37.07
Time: 5.03.28
